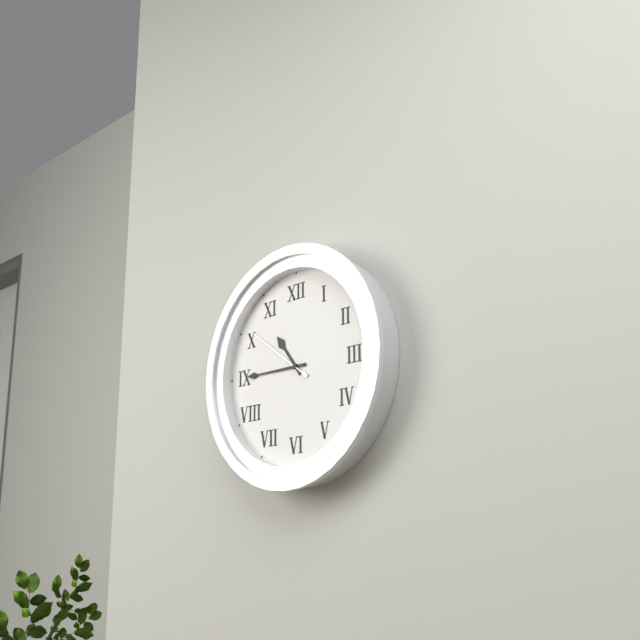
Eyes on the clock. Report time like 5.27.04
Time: 10.45.51
